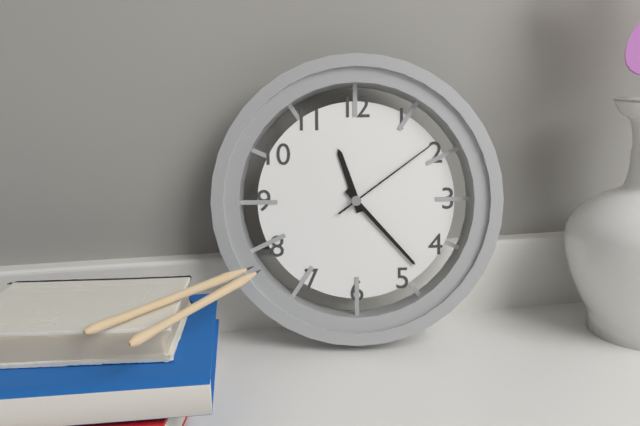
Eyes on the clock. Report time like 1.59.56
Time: 11.23.09
